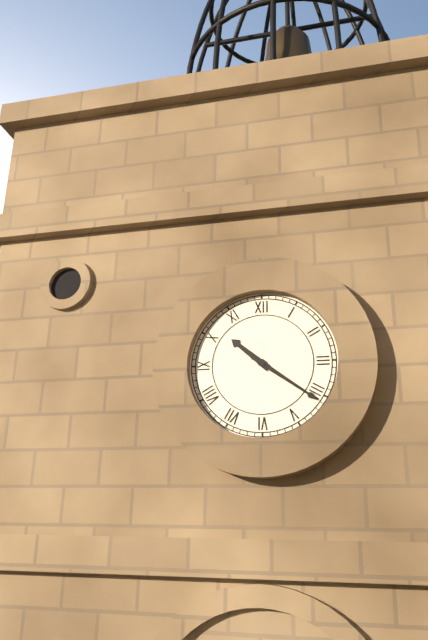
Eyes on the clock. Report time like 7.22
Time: 10.21
